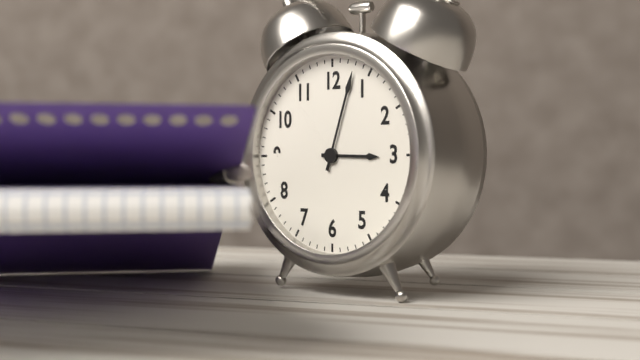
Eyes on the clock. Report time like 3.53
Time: 3.03
